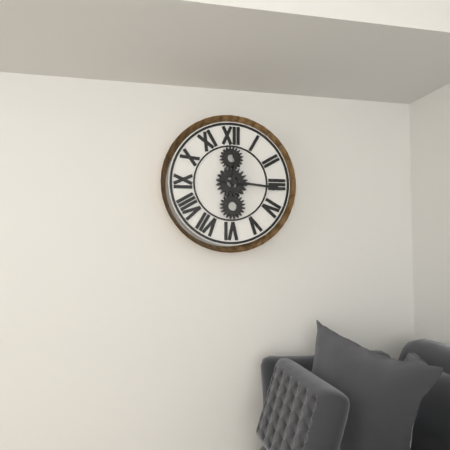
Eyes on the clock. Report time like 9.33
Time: 12.16
